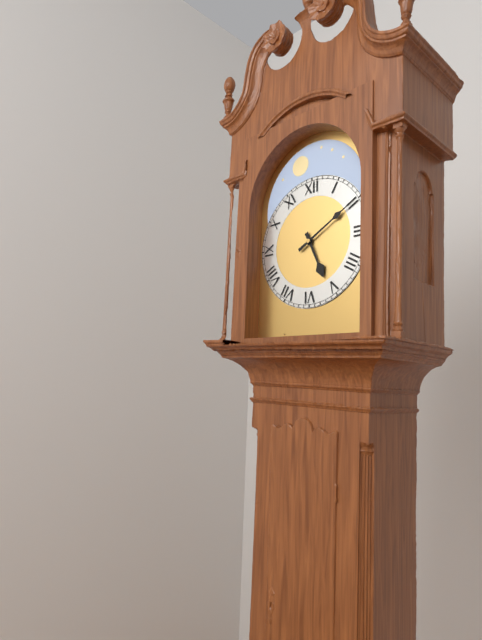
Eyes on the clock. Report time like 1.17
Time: 5.10
